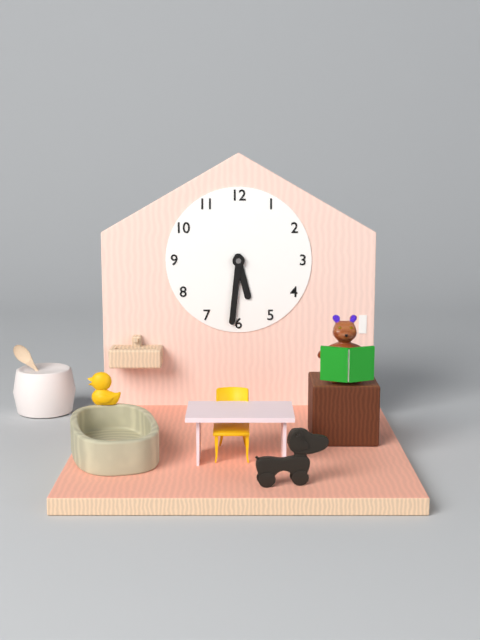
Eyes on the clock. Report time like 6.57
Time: 5.31
